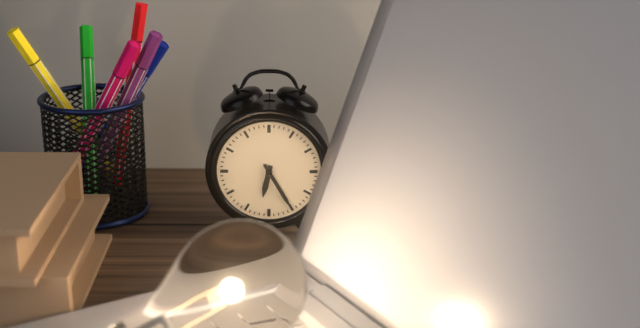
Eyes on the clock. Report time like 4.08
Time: 6.25
